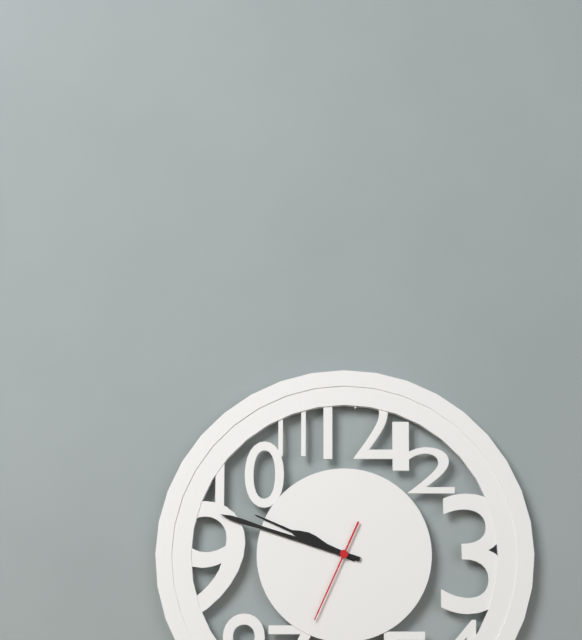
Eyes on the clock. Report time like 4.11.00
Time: 9.48.34
